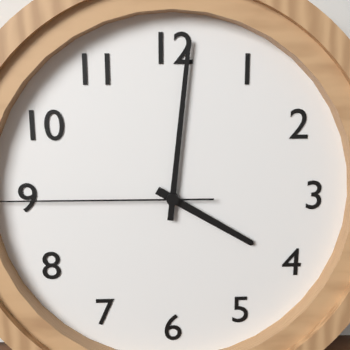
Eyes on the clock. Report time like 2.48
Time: 4.01
